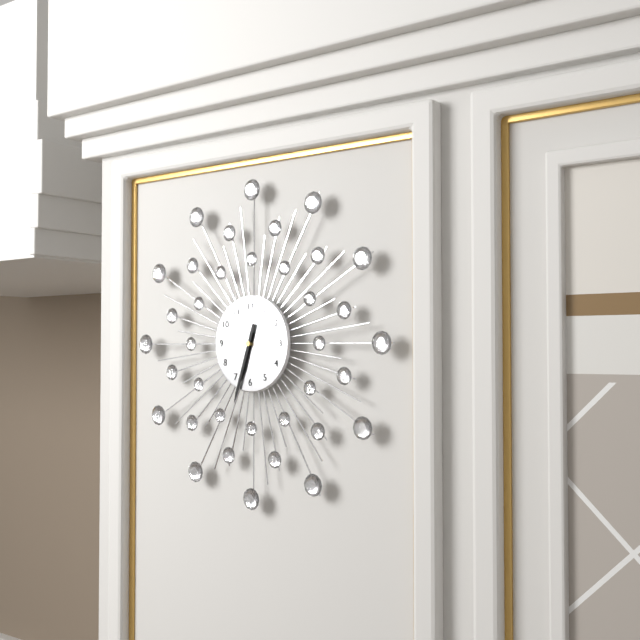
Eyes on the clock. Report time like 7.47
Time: 6.33
